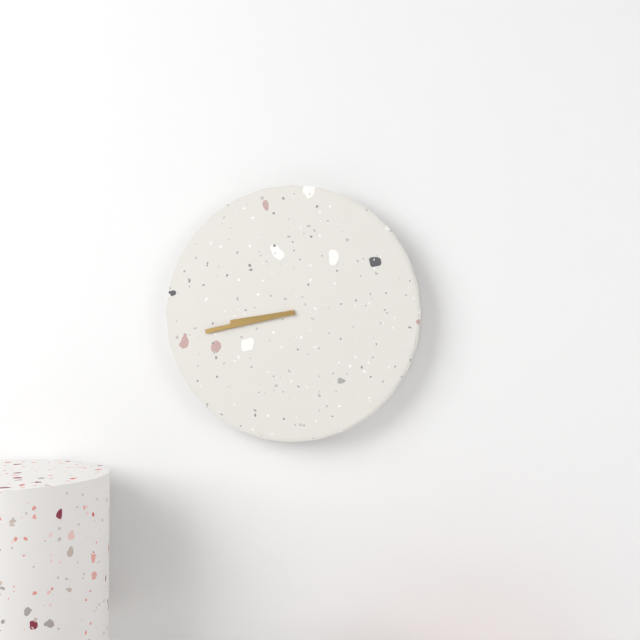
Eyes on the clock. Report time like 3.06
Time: 8.43
